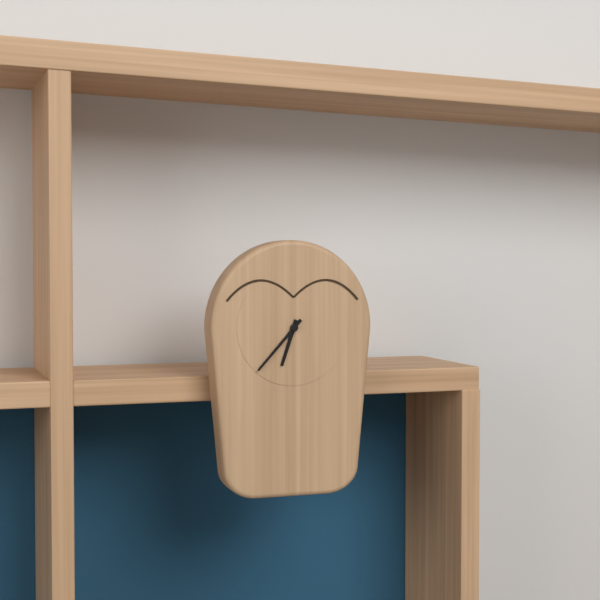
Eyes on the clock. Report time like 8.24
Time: 6.37
